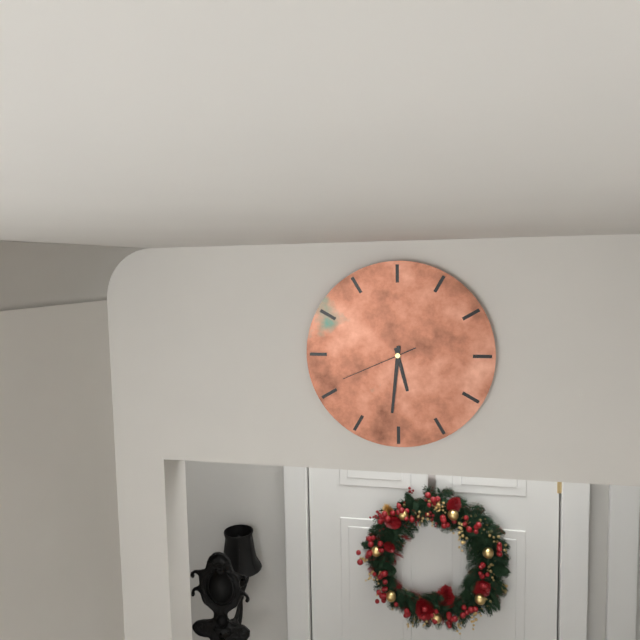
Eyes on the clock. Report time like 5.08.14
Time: 5.31.41
